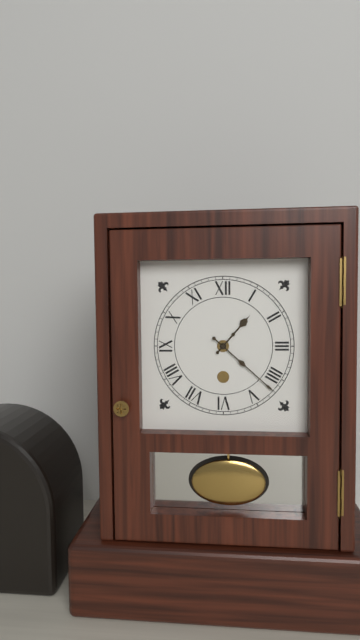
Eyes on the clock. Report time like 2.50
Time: 1.22
